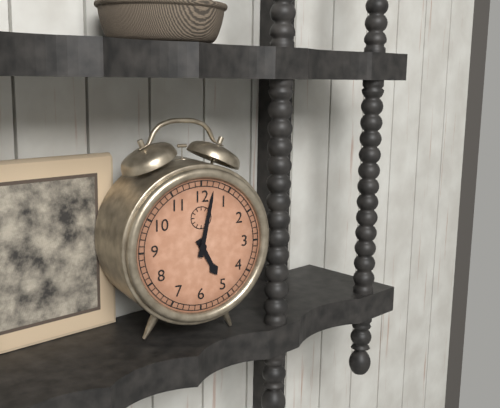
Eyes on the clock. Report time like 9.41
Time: 5.02
